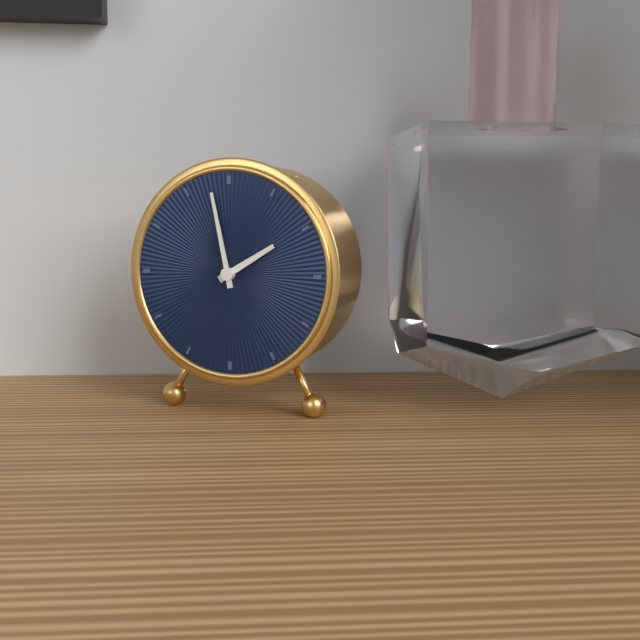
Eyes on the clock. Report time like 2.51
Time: 1.58
